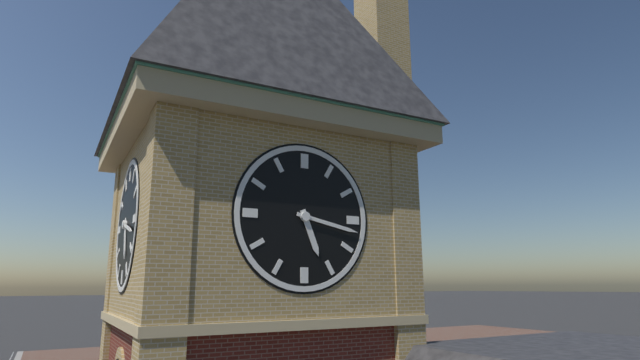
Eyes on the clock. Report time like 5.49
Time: 5.17
